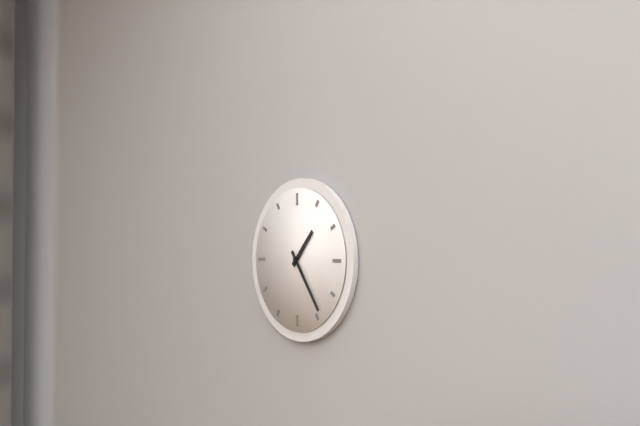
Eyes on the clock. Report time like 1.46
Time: 1.24
